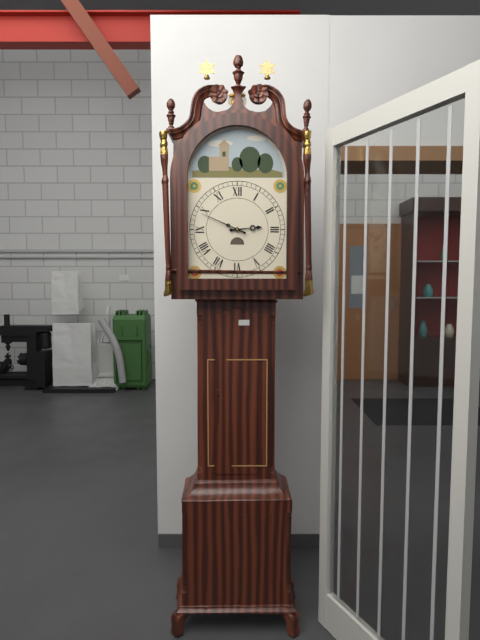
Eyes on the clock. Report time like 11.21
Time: 2.49
